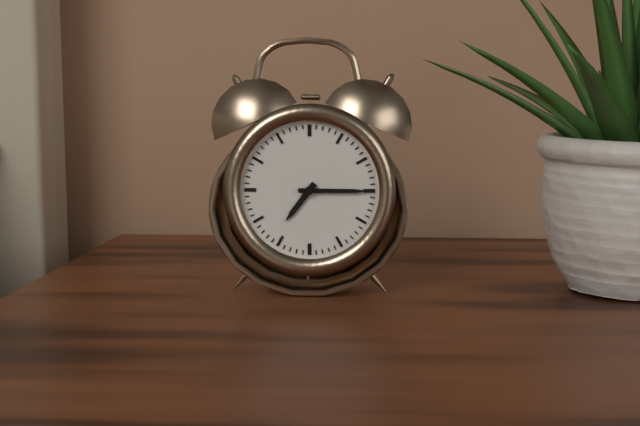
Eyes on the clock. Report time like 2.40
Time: 7.15
